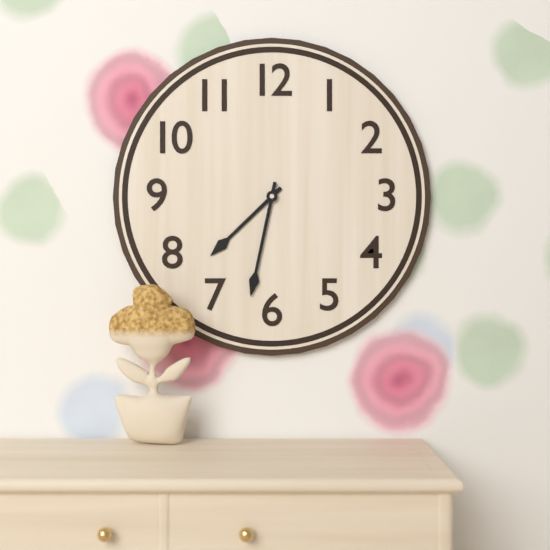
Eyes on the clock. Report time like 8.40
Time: 7.32
